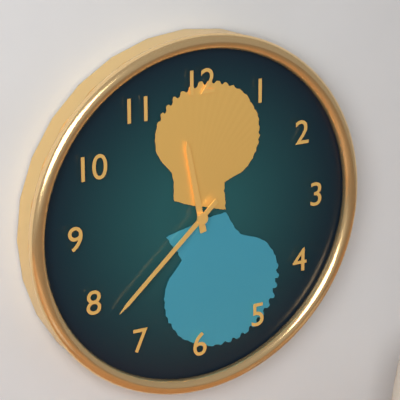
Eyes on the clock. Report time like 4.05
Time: 11.38
